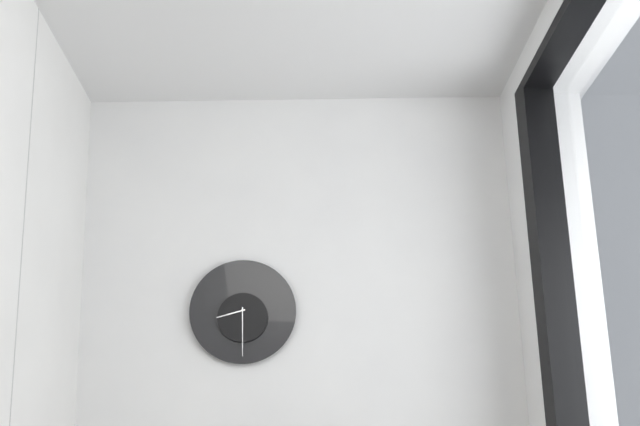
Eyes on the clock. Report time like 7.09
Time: 8.30
